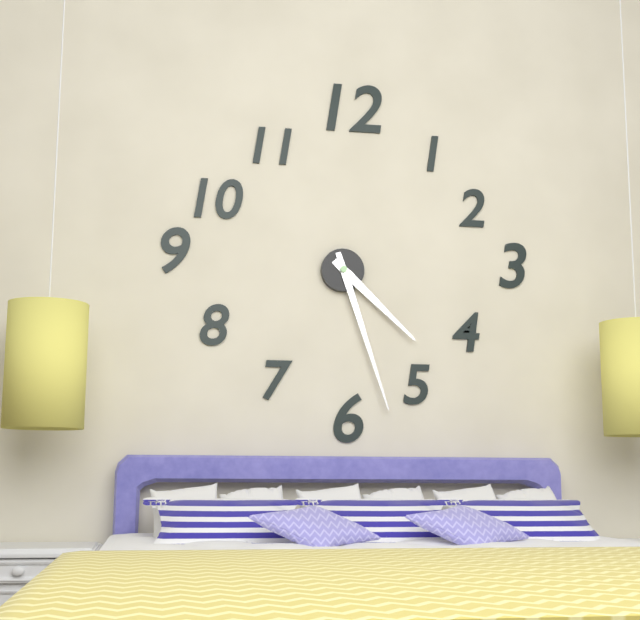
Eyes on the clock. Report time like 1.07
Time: 4.27
